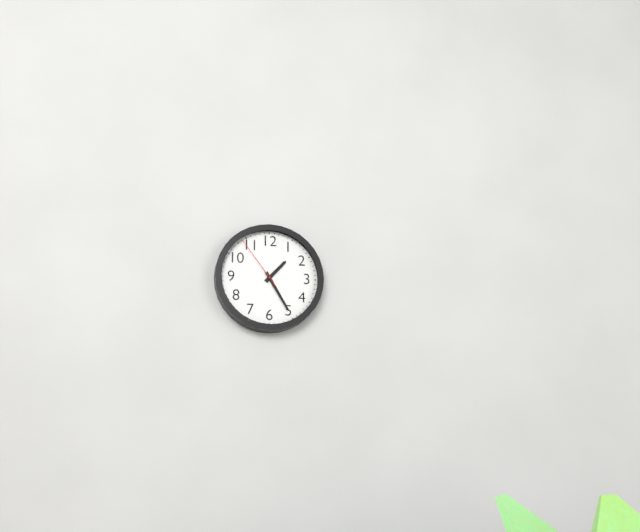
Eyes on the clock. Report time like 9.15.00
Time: 1.25.54
